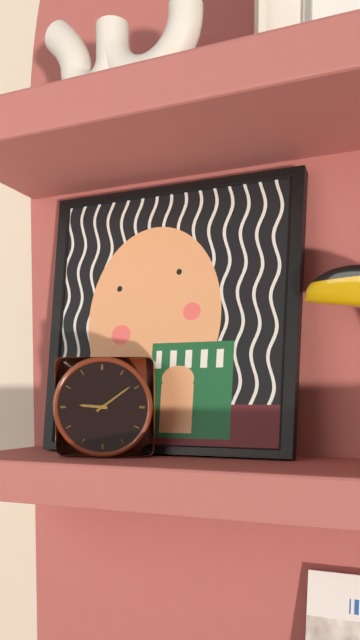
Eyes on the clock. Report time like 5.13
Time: 9.09
